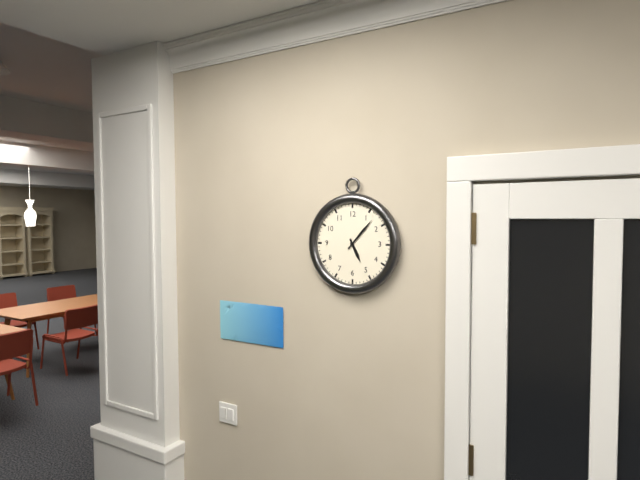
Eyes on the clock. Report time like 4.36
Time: 5.07
